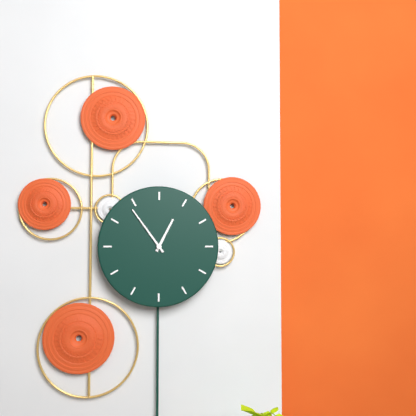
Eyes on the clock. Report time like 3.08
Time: 12.54
